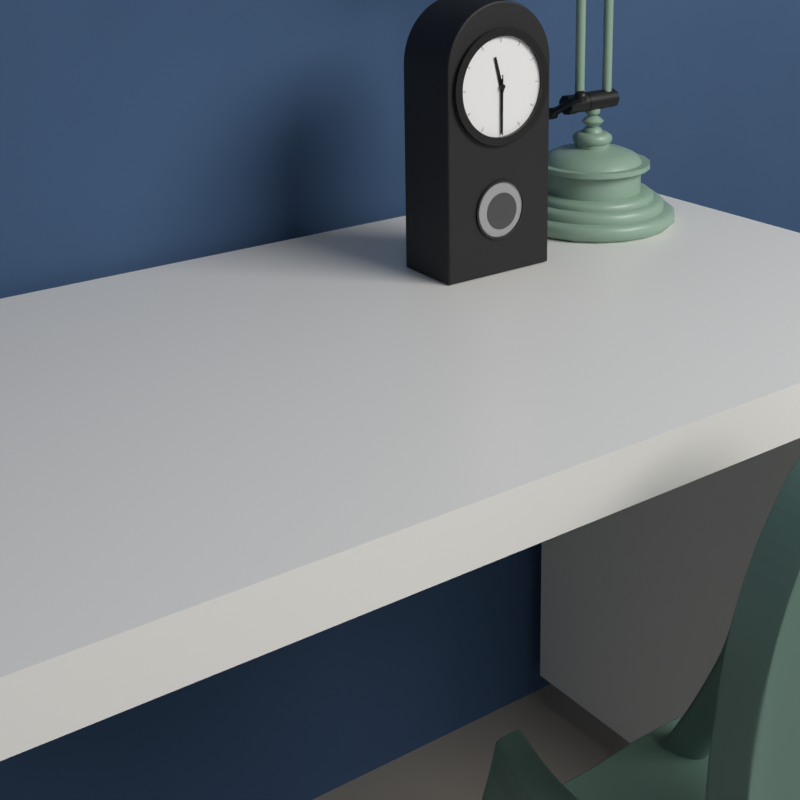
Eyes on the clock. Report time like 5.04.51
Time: 11.30.30
